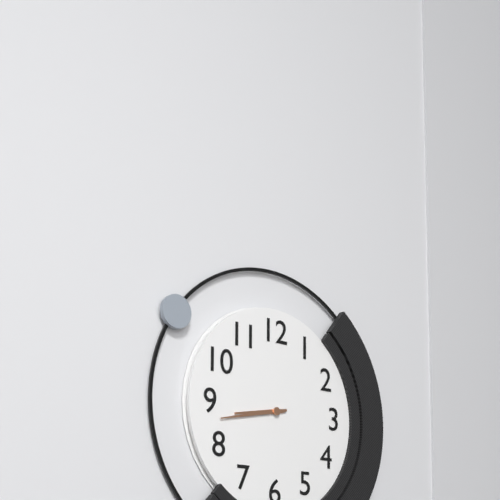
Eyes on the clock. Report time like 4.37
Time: 8.43
